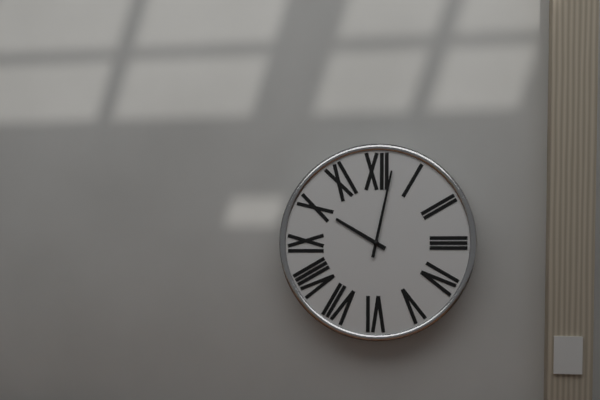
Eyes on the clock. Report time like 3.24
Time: 10.02
